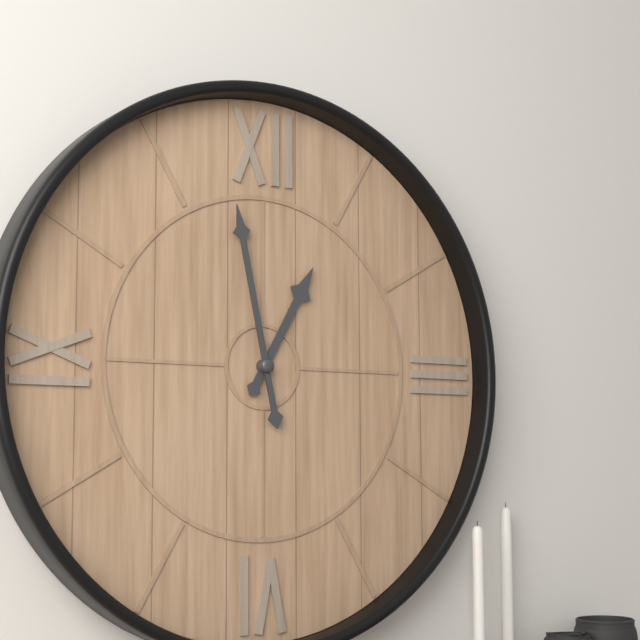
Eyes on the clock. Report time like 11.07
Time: 12.58
